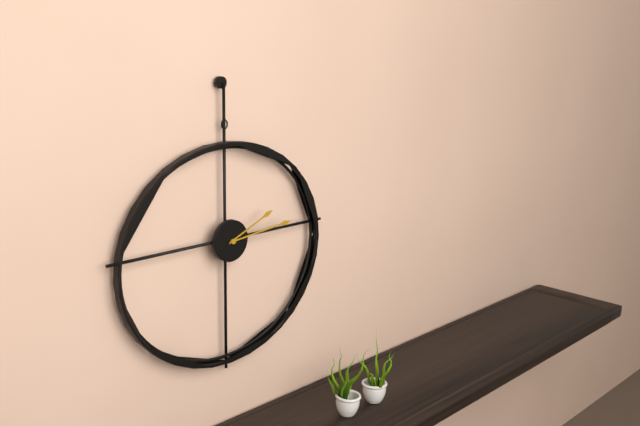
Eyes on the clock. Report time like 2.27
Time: 2.14
